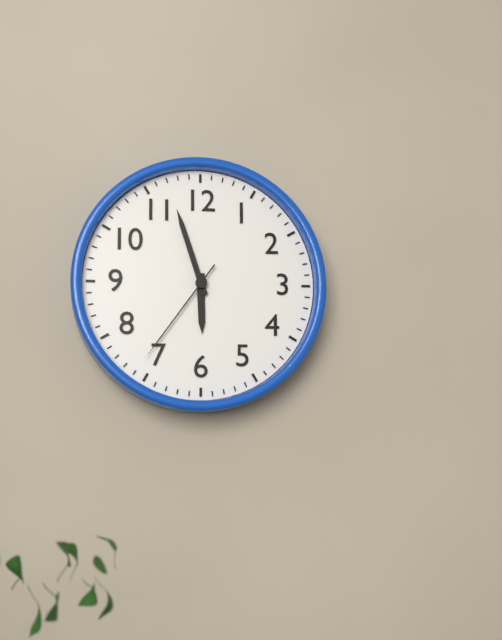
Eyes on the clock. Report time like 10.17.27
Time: 5.57.36
